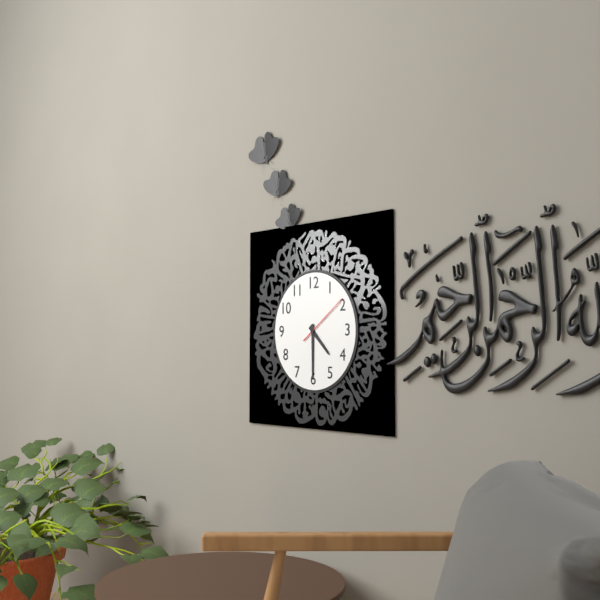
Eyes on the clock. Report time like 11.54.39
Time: 4.30.09
